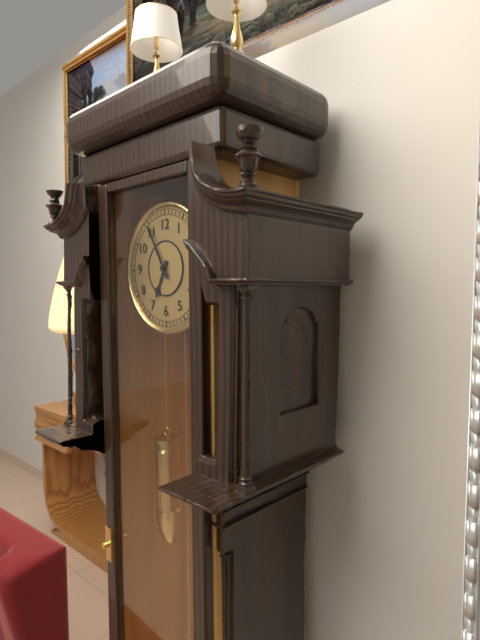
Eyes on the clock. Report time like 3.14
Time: 6.55
